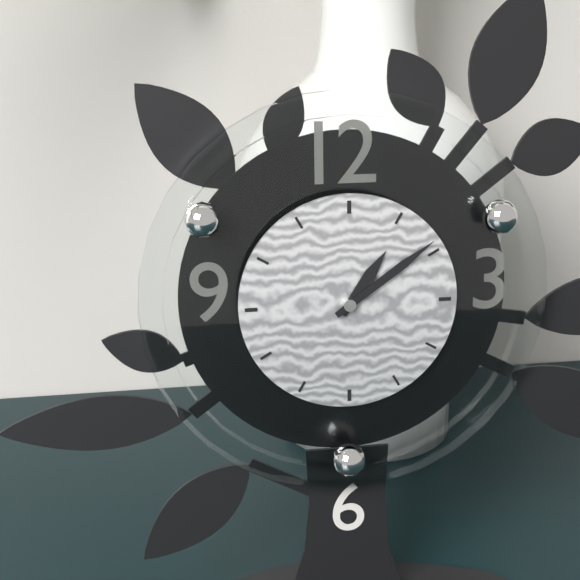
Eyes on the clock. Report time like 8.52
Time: 1.09
